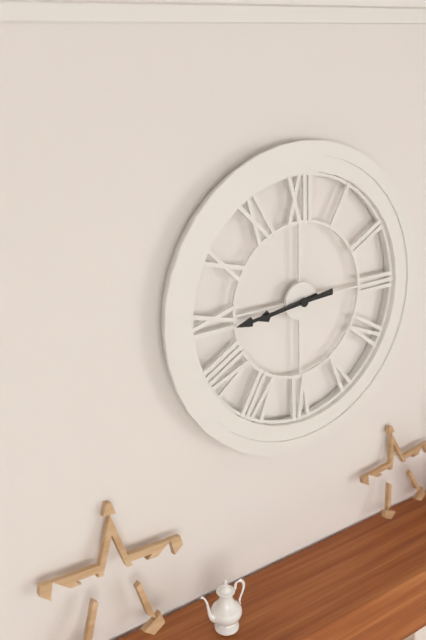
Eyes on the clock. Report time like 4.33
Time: 8.44
